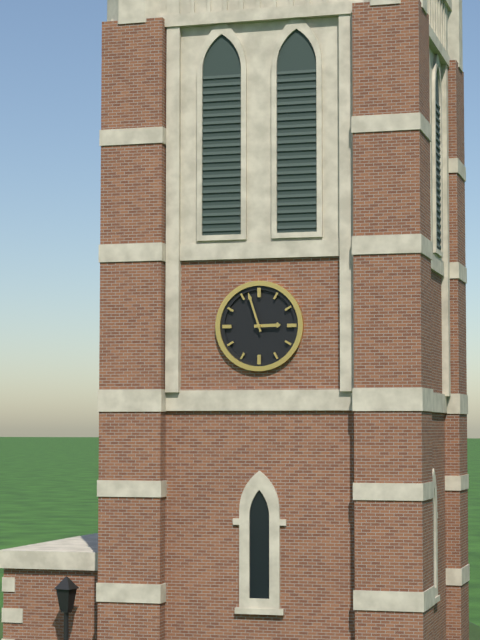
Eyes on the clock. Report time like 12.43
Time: 2.57
